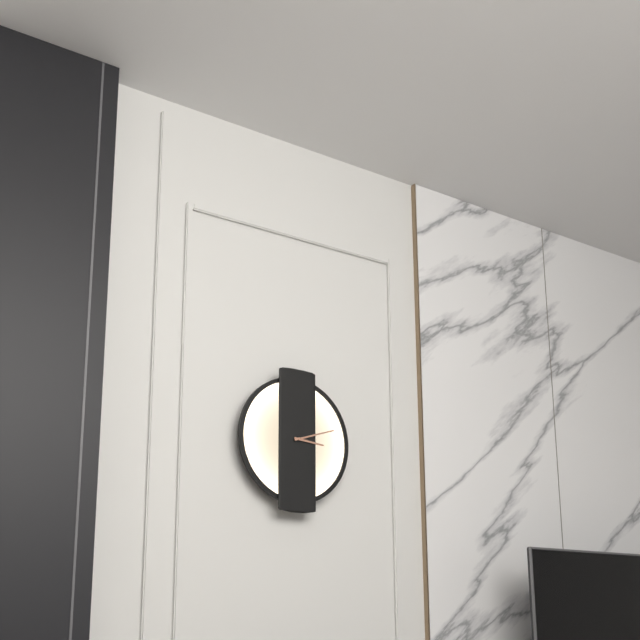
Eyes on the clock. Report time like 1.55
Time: 3.12
